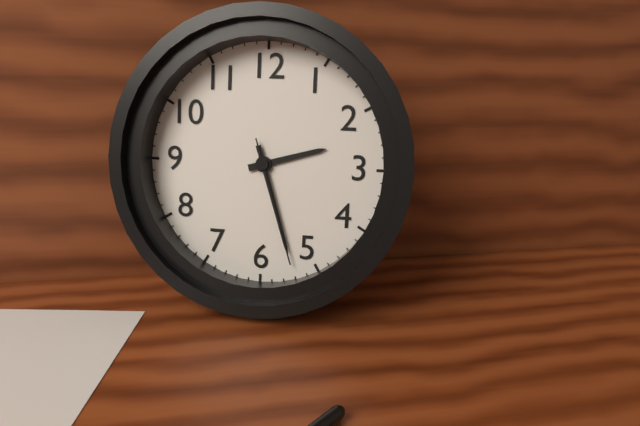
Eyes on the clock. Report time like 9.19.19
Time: 2.27.27
